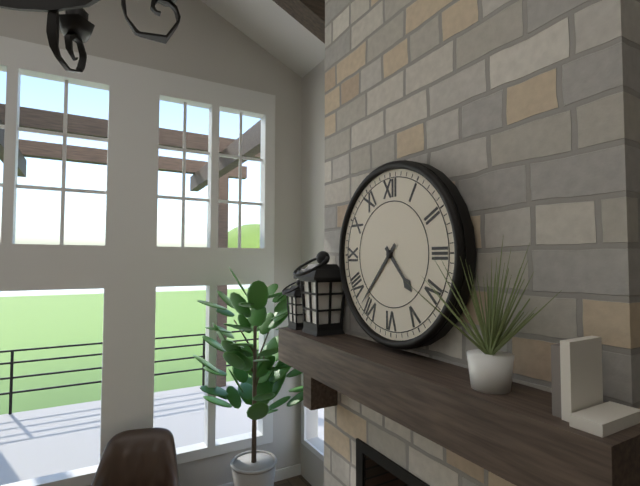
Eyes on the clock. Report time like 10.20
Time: 4.37
